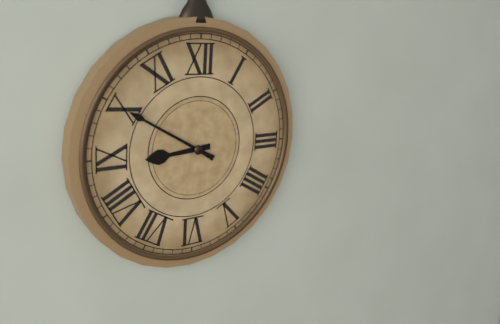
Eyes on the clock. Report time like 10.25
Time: 8.50
